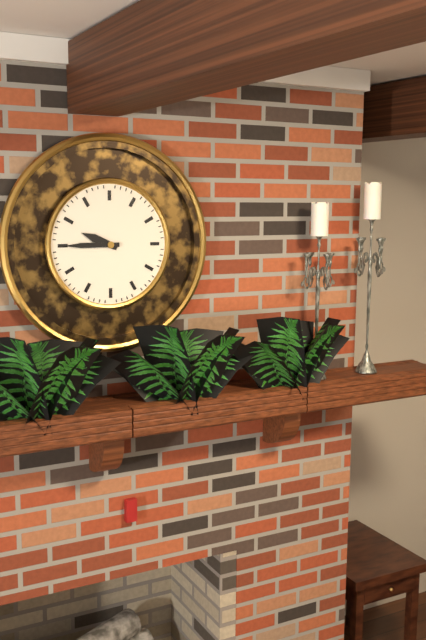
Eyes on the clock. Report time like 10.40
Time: 9.45
